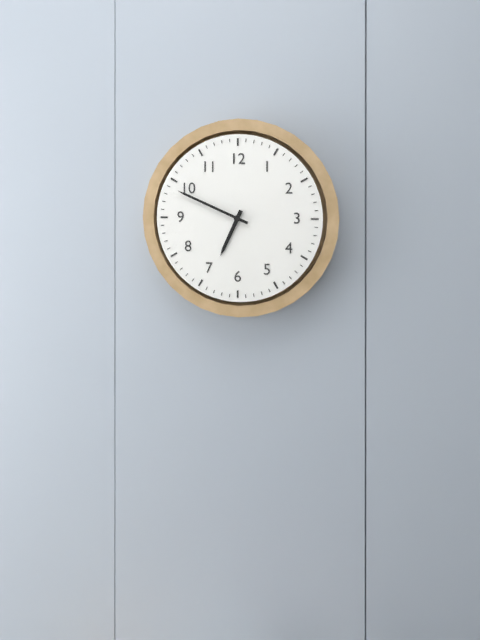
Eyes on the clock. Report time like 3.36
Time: 6.49
